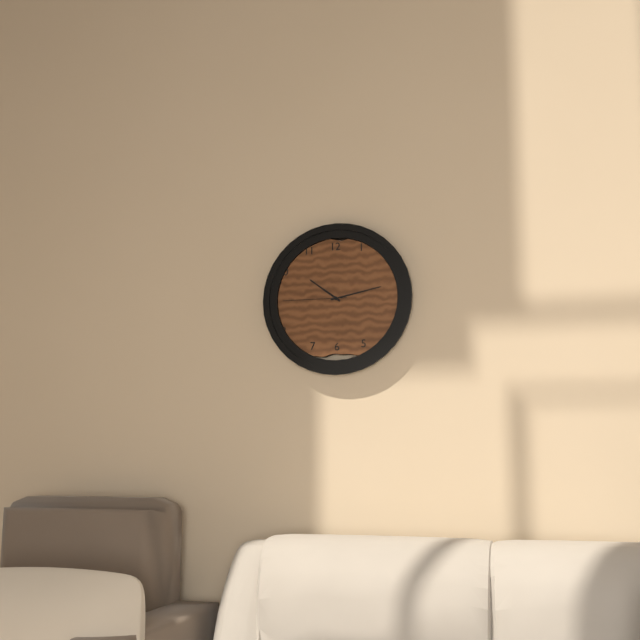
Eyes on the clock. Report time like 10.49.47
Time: 10.13.45
